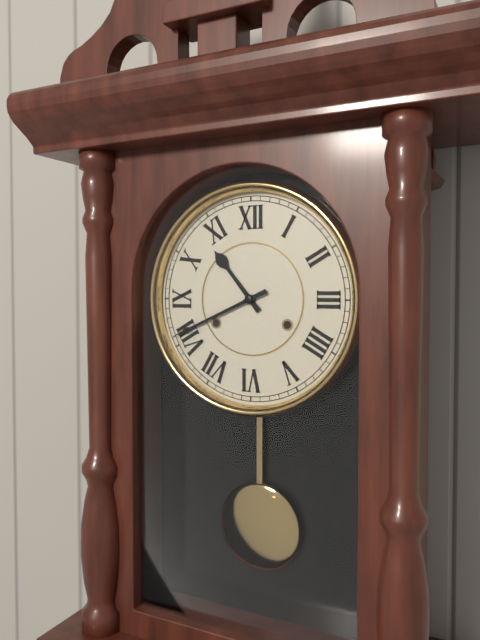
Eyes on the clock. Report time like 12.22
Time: 10.41
